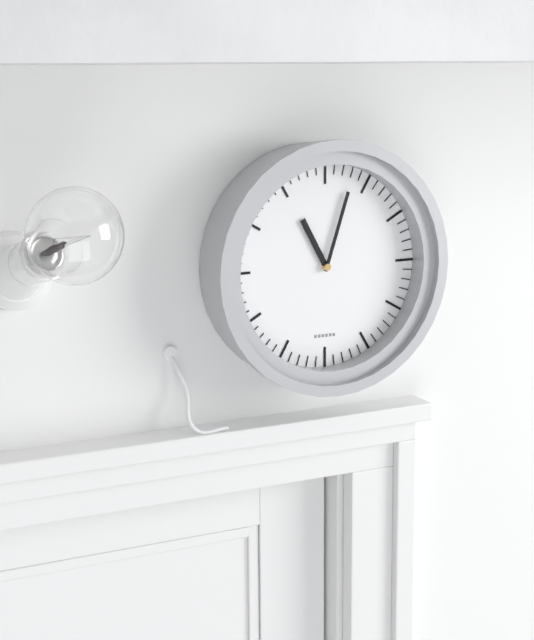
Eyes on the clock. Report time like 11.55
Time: 11.03
